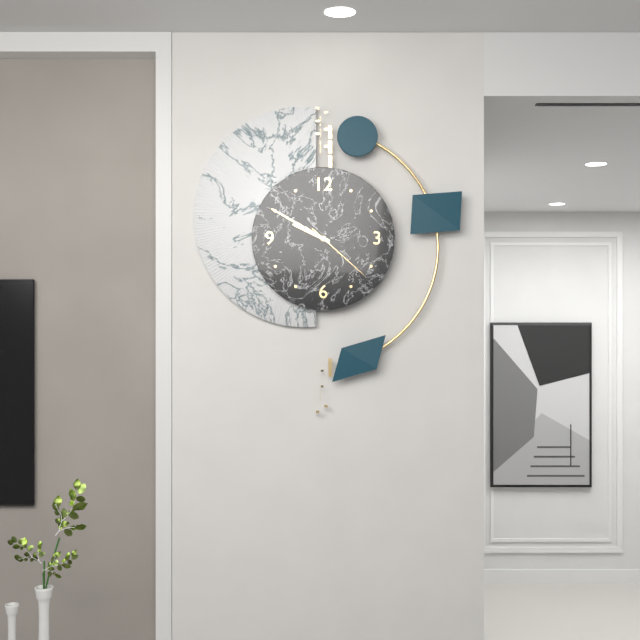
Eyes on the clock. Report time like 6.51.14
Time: 9.50.22
